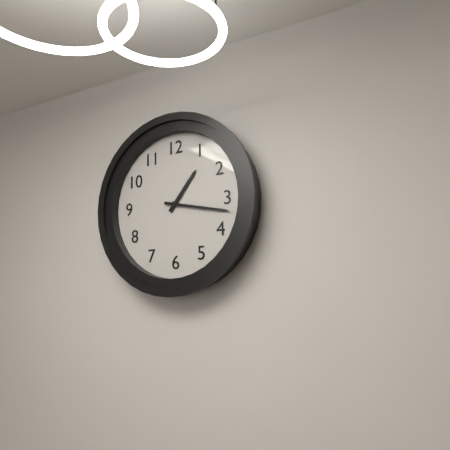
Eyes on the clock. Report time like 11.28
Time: 1.17
